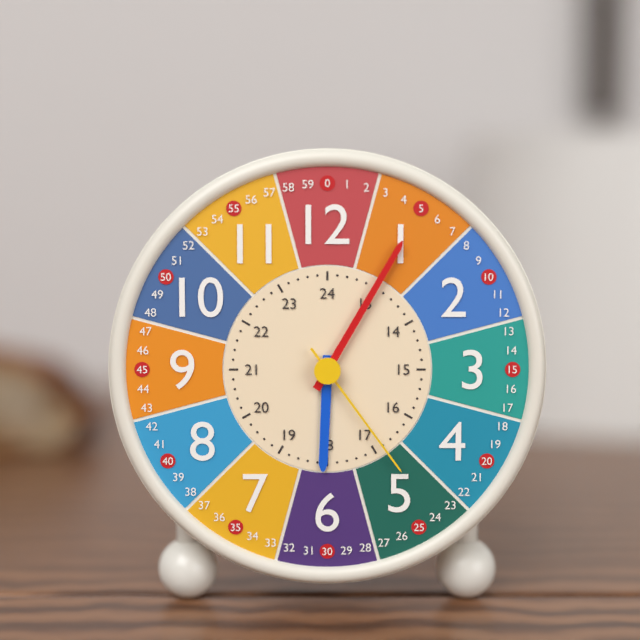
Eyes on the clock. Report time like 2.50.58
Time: 6.05.24
